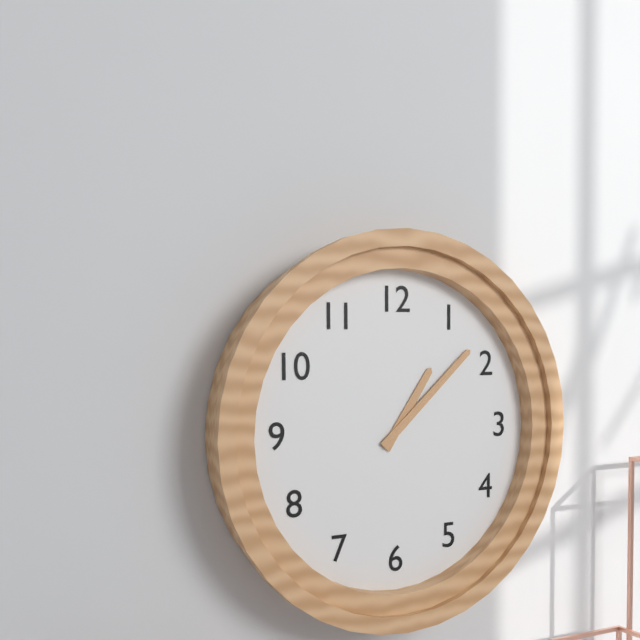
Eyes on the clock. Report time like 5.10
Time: 1.08
